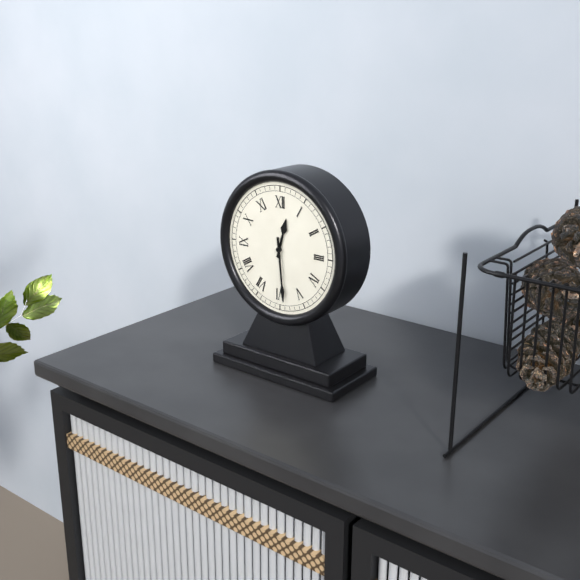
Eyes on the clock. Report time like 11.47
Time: 12.29
